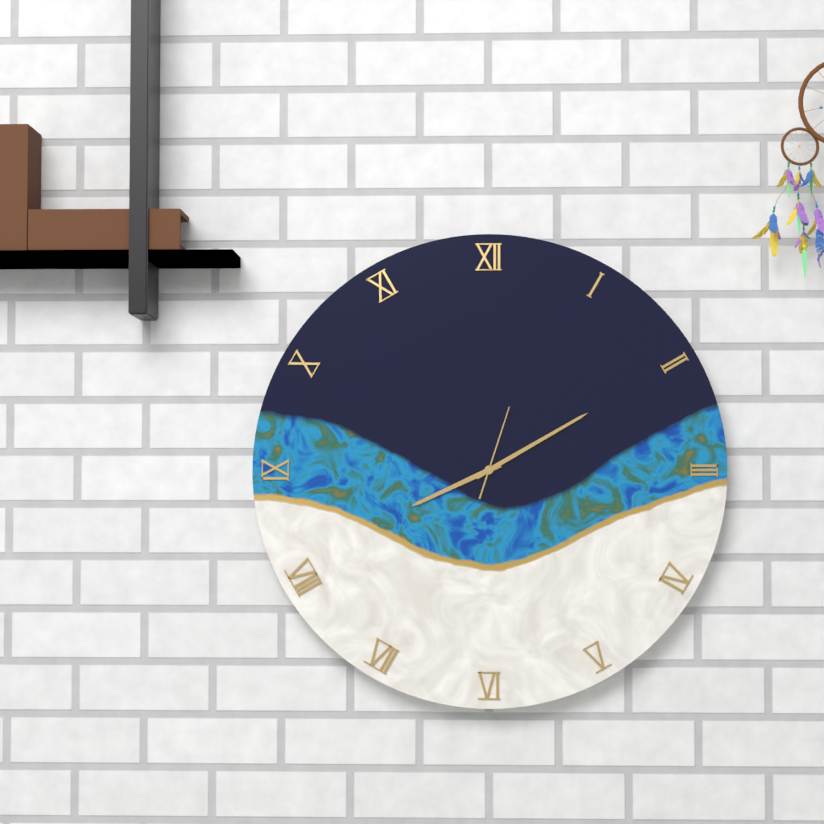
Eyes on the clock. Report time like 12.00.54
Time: 8.10.03
